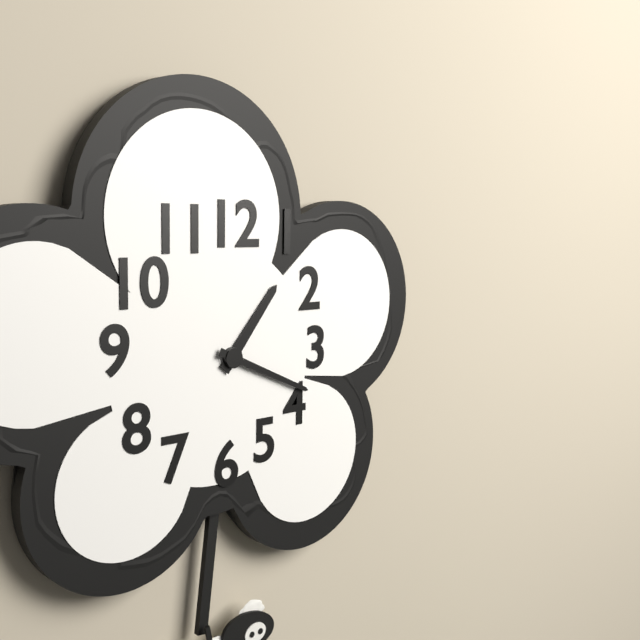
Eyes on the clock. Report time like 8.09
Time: 1.19
